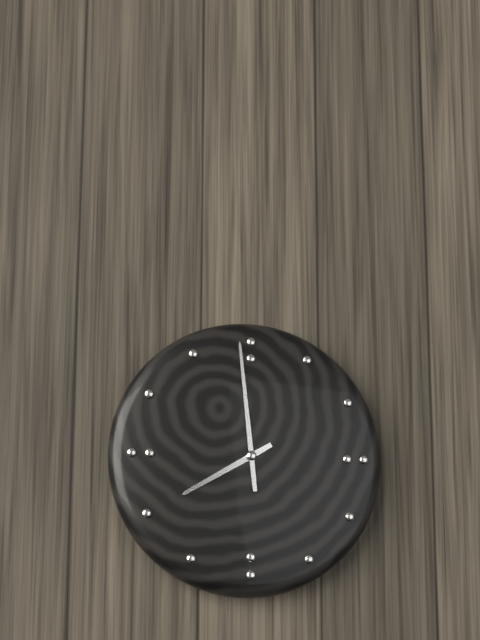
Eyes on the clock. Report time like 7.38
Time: 7.59
